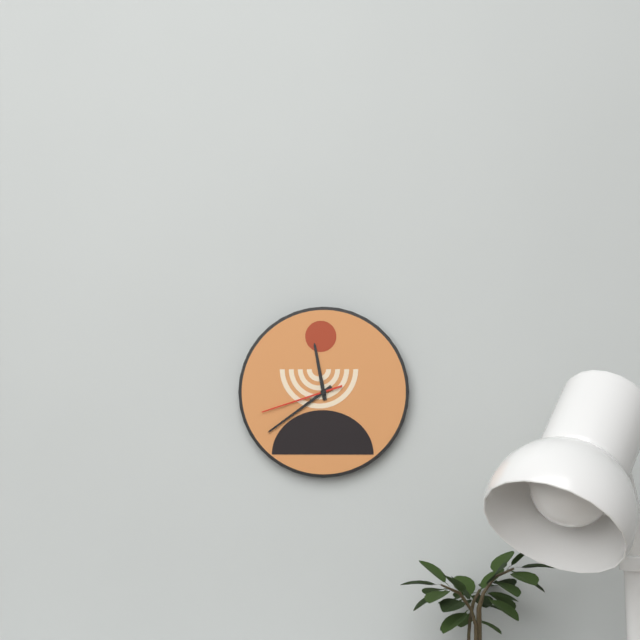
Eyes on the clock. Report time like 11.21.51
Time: 11.39.42
